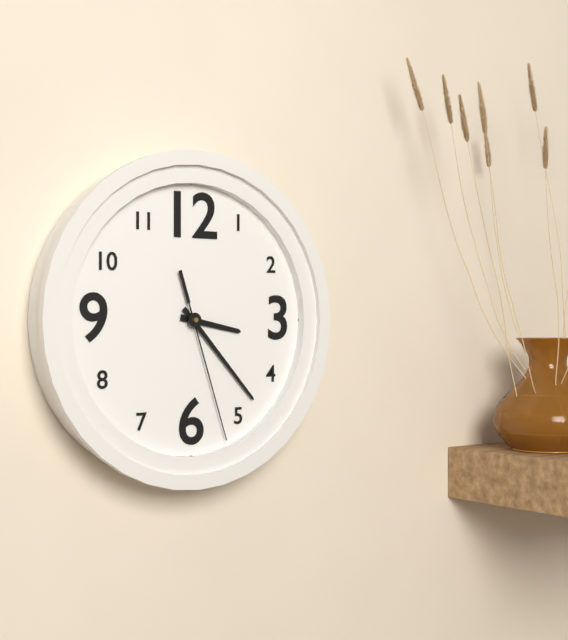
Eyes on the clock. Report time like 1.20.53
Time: 3.23.27
